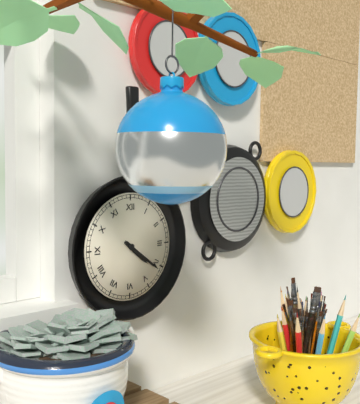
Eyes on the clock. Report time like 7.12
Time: 4.21
